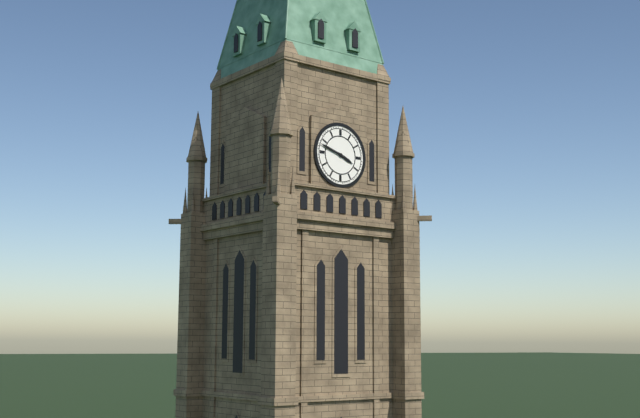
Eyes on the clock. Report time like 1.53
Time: 3.48
